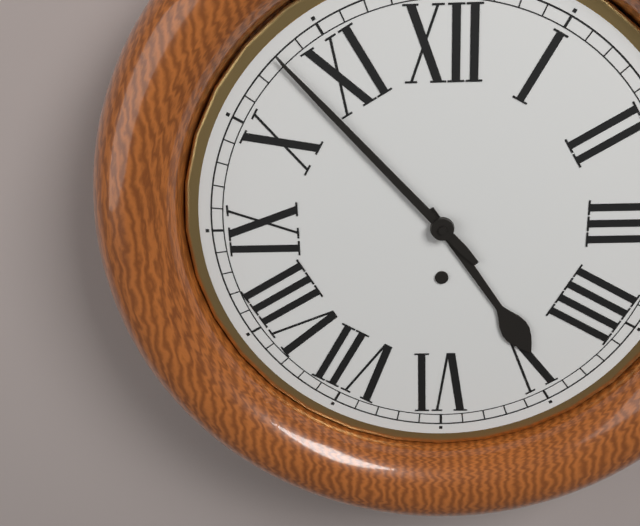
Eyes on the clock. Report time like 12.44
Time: 4.53
